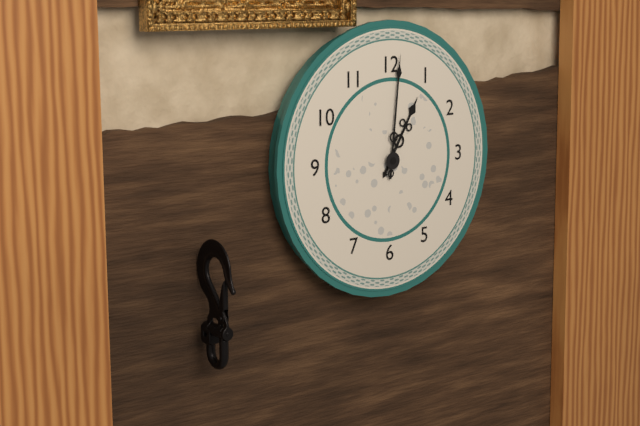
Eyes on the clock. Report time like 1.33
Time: 1.01
